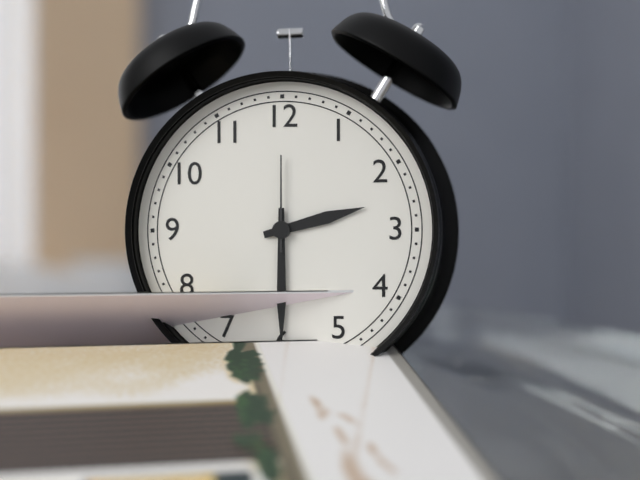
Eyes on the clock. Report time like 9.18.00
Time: 2.30.00
